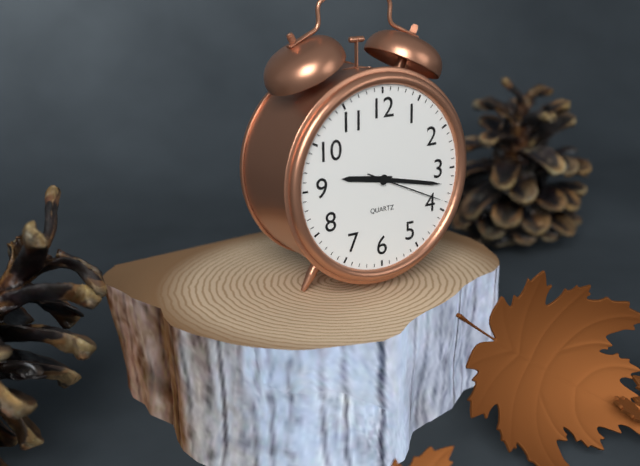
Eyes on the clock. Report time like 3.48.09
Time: 9.17.19
